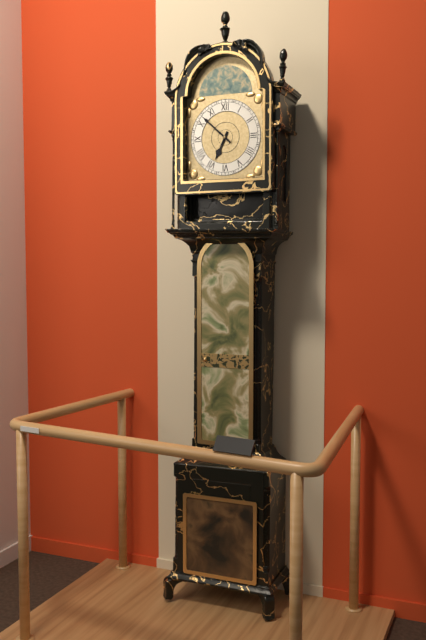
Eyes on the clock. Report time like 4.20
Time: 6.52
